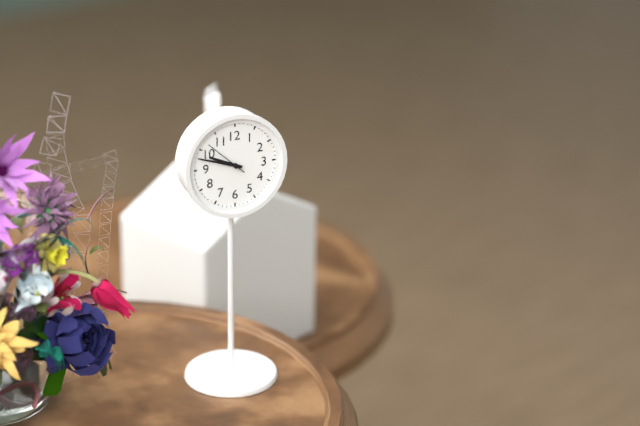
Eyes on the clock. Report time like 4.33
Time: 9.48
